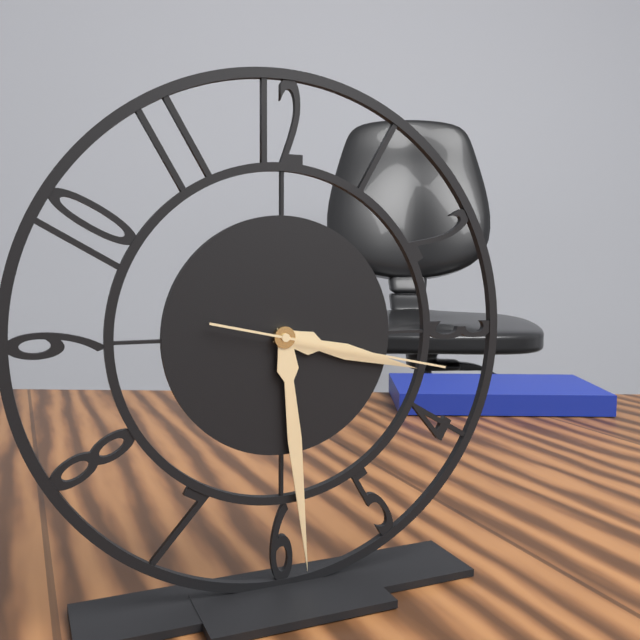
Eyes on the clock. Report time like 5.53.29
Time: 3.29.17
